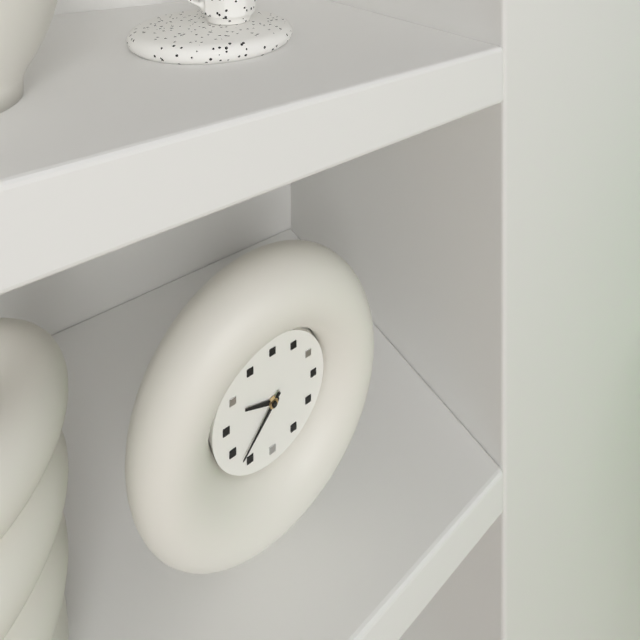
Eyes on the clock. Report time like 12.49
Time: 9.37
